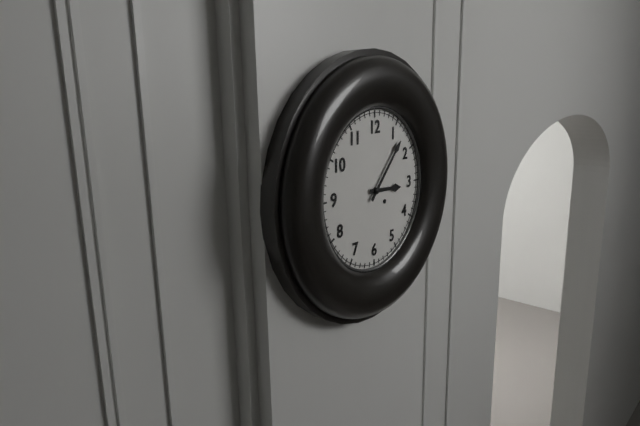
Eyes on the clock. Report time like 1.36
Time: 3.07
